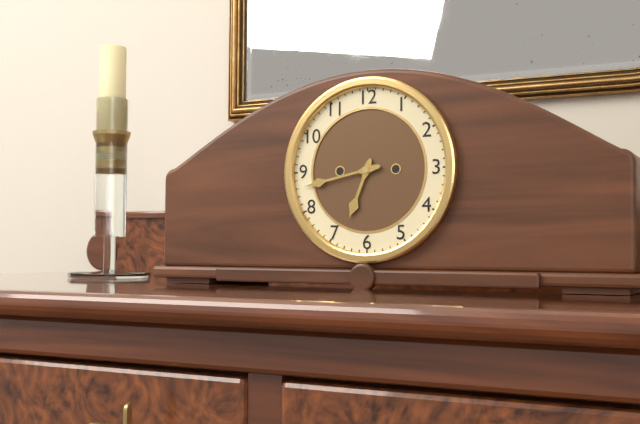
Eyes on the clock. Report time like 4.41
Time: 6.43
